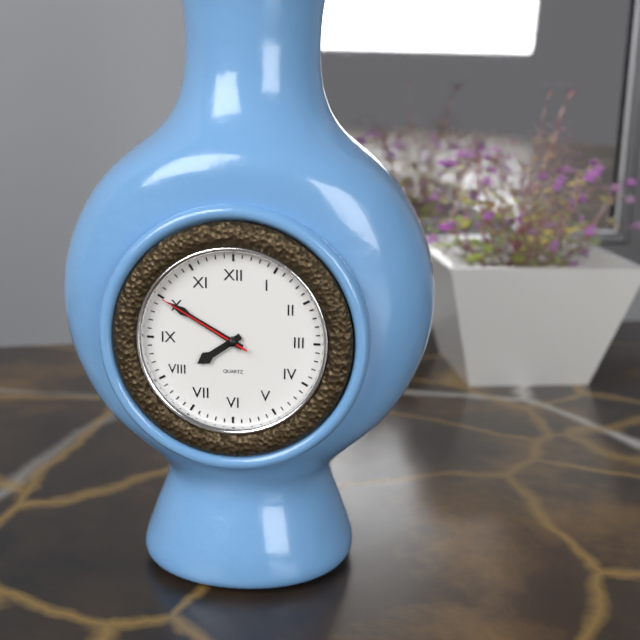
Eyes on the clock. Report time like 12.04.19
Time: 7.50.50
